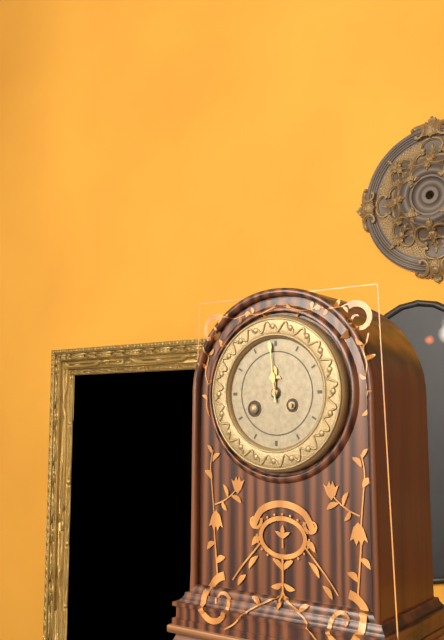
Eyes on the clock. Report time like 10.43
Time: 11.59
